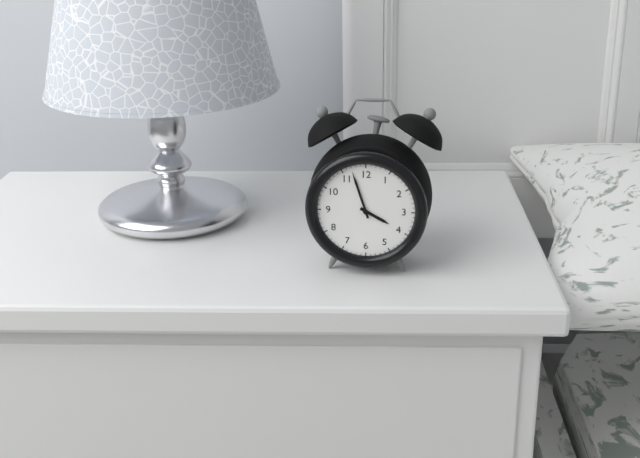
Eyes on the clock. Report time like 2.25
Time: 3.57
